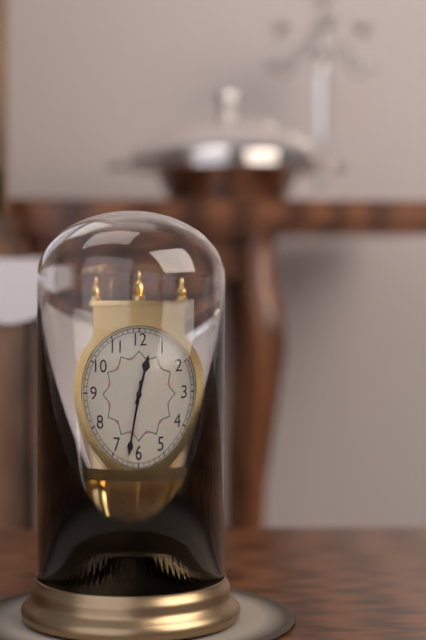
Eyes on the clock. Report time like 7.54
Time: 12.32
